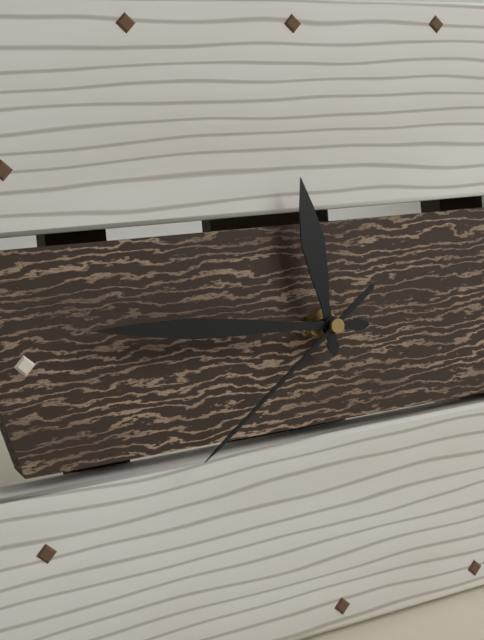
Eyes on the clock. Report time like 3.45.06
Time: 11.46.39
